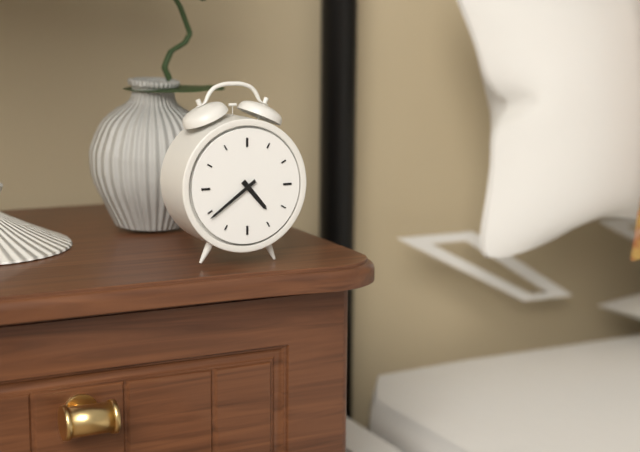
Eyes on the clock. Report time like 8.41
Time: 4.39
